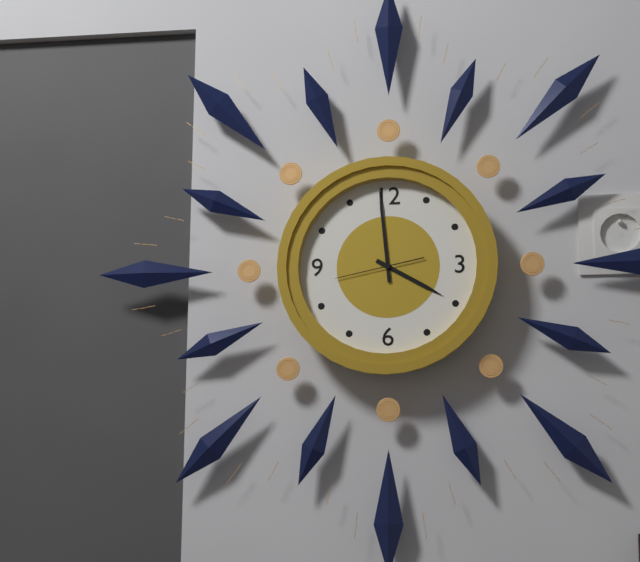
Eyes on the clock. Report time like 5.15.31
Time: 3.59.43
